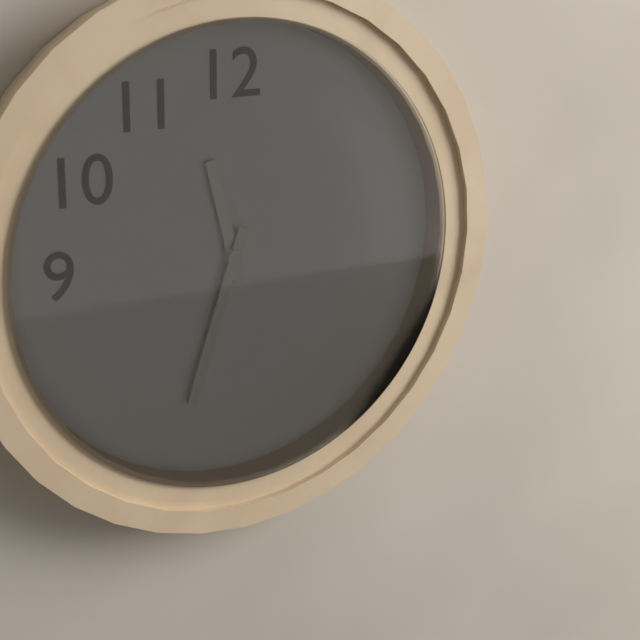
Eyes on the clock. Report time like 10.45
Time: 11.33
